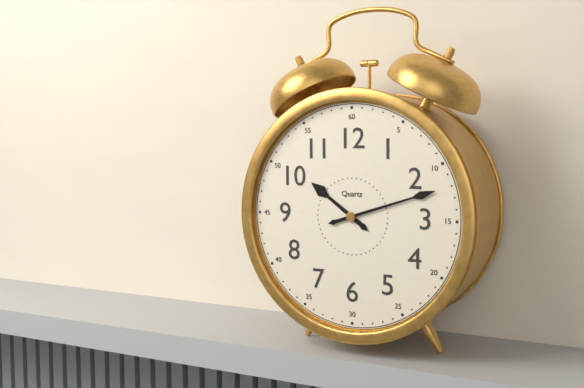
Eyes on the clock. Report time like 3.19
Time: 10.12
